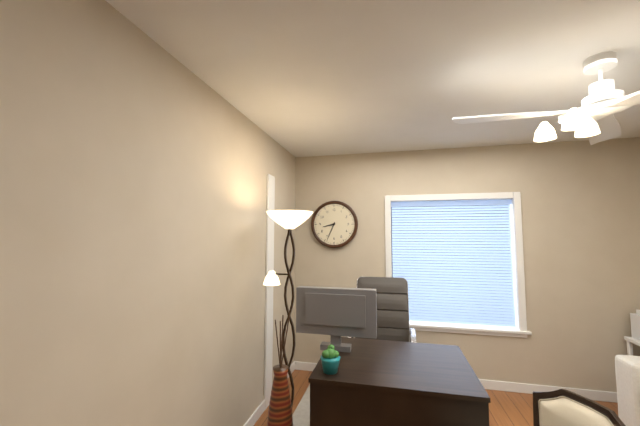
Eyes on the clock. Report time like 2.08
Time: 8.34
